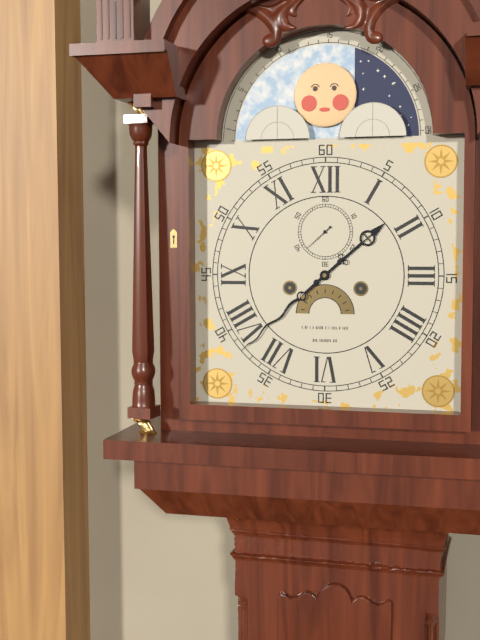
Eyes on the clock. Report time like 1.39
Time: 1.38
